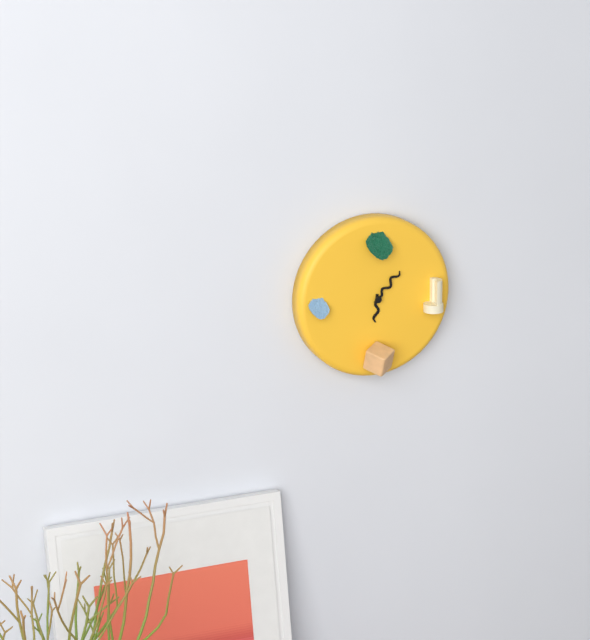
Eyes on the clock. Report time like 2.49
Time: 6.07
